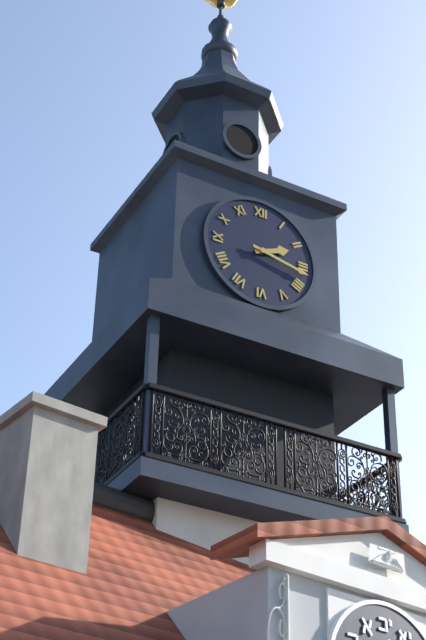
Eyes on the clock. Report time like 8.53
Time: 2.17
